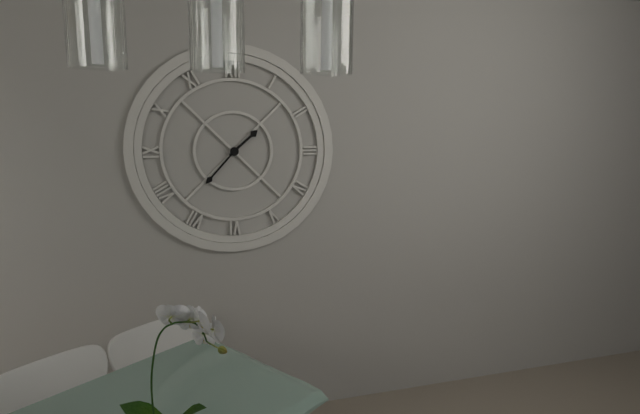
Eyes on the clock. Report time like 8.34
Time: 1.37
